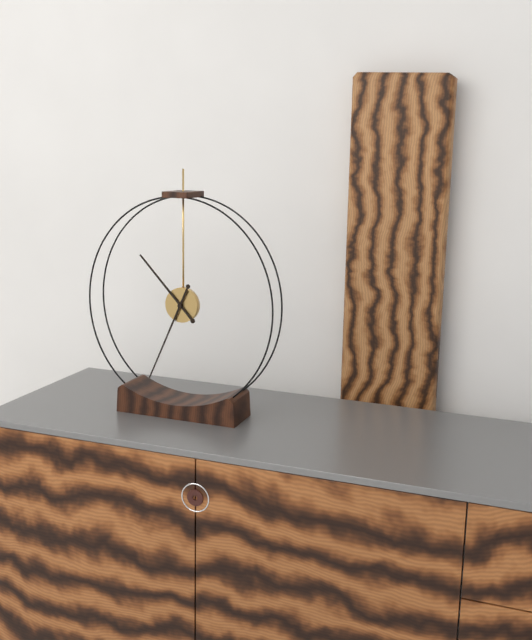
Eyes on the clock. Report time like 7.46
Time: 10.34
